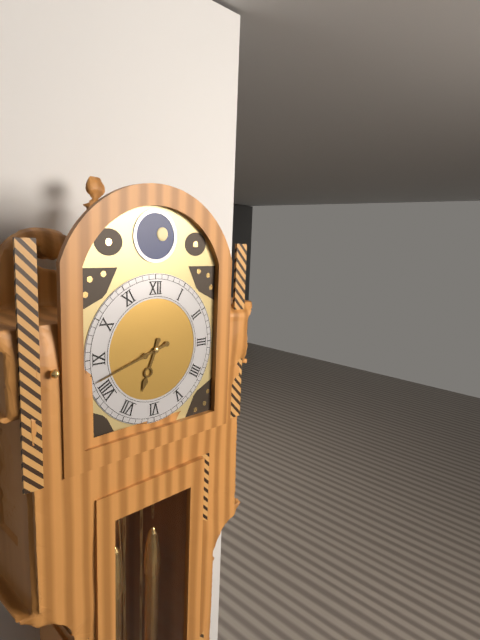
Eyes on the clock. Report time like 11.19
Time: 6.42
